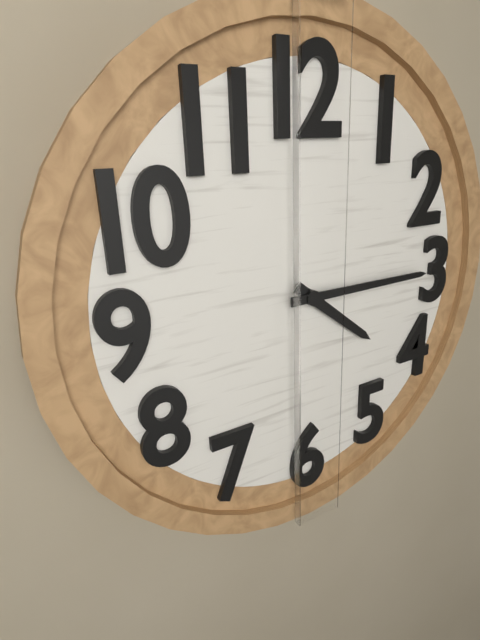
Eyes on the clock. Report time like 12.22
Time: 4.15
